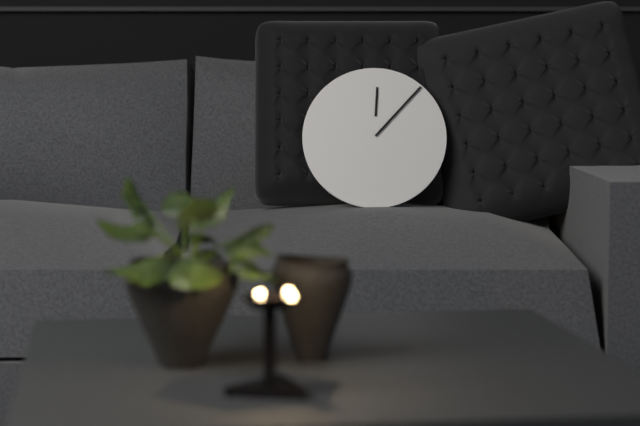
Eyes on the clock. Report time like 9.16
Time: 12.07
